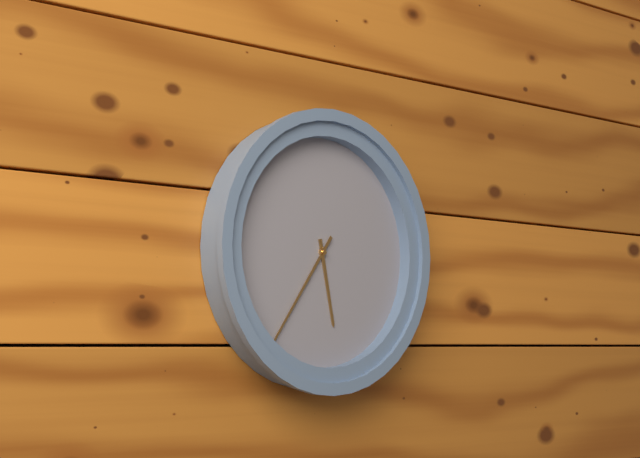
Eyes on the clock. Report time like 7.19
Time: 5.36
